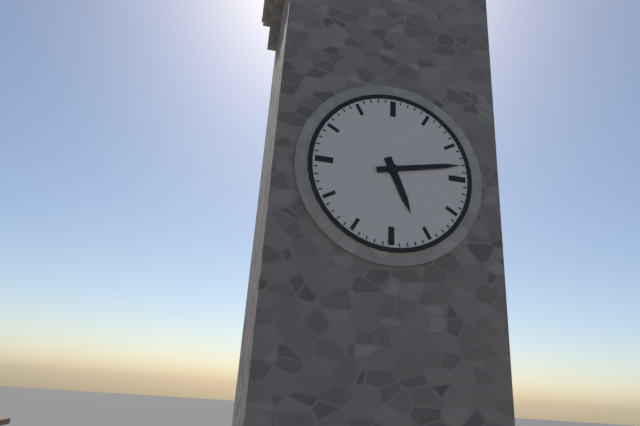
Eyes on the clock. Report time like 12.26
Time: 5.13
